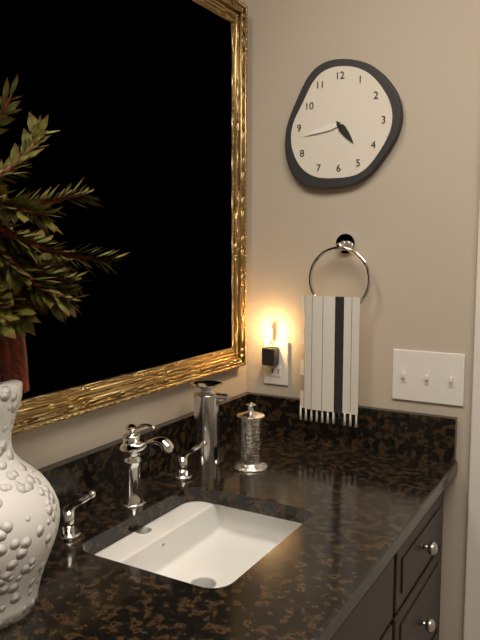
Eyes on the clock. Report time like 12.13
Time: 4.43
